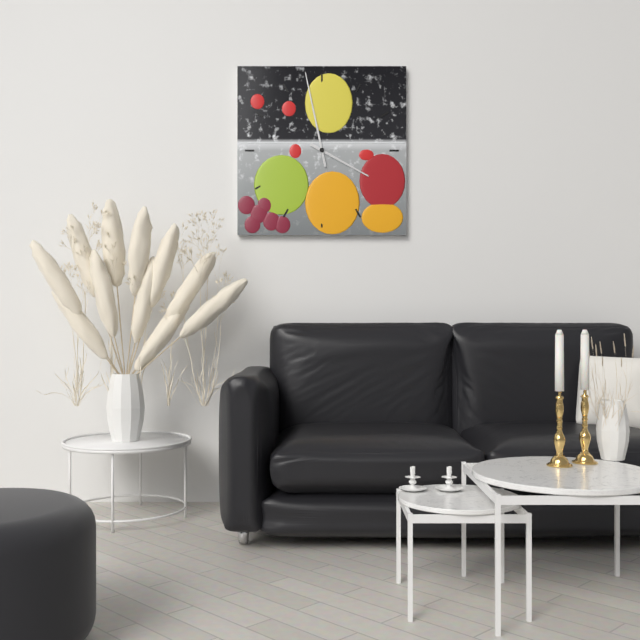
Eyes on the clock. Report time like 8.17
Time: 3.58
